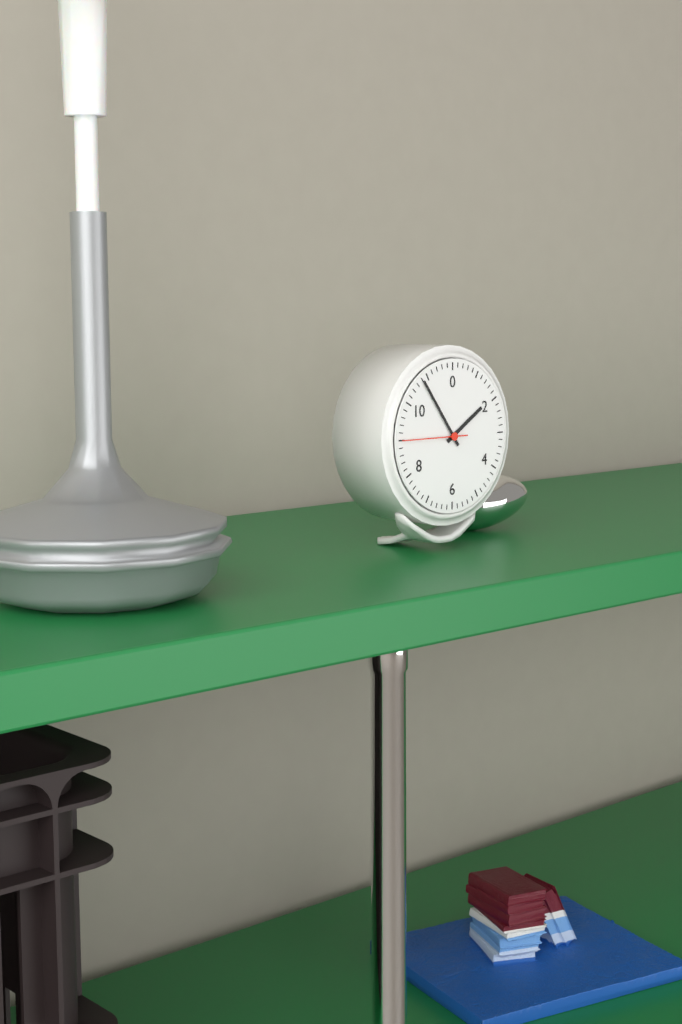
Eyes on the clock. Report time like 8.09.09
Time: 1.54.45
